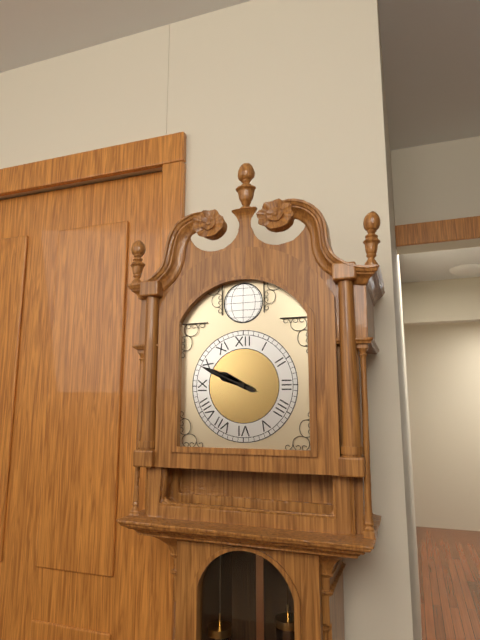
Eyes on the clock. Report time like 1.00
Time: 9.49
